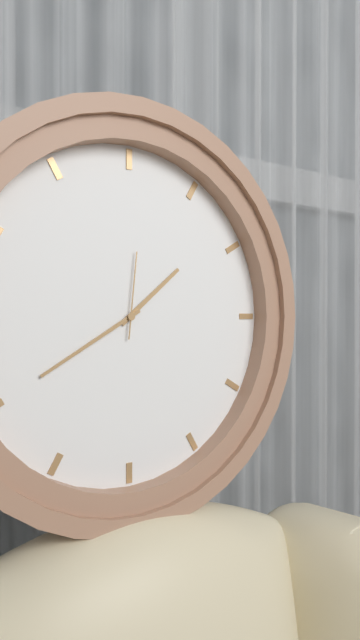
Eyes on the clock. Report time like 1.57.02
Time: 1.40.01
